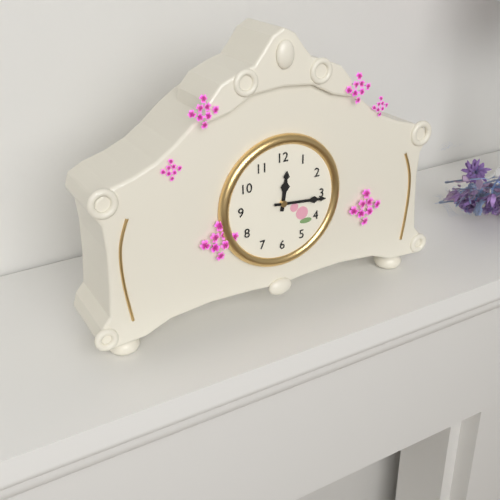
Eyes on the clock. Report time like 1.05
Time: 12.16
